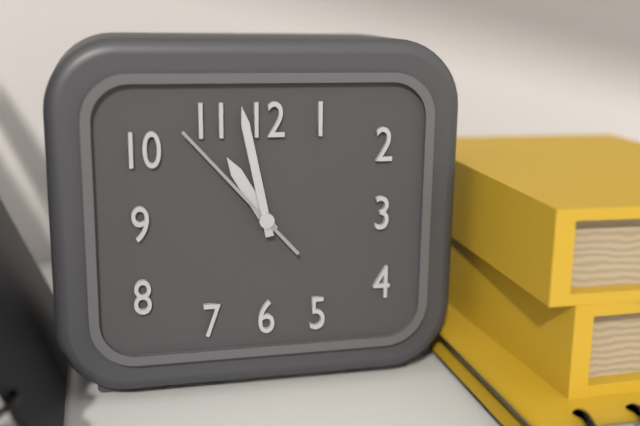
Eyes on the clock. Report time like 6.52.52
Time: 10.58.53
